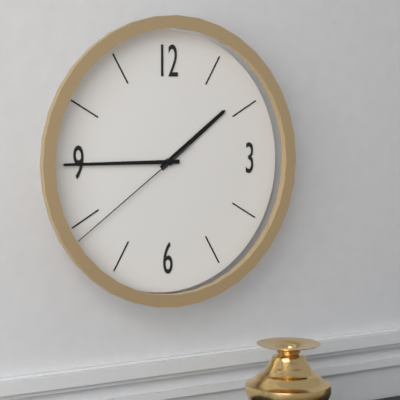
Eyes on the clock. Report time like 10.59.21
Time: 1.45.39
